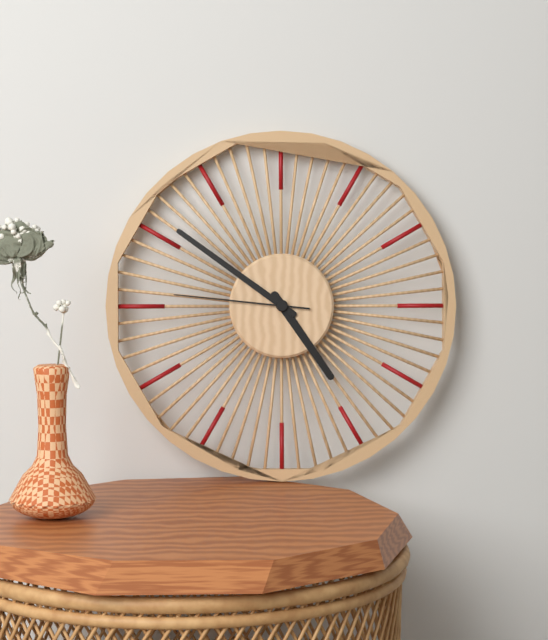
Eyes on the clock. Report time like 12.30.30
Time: 4.51.46
